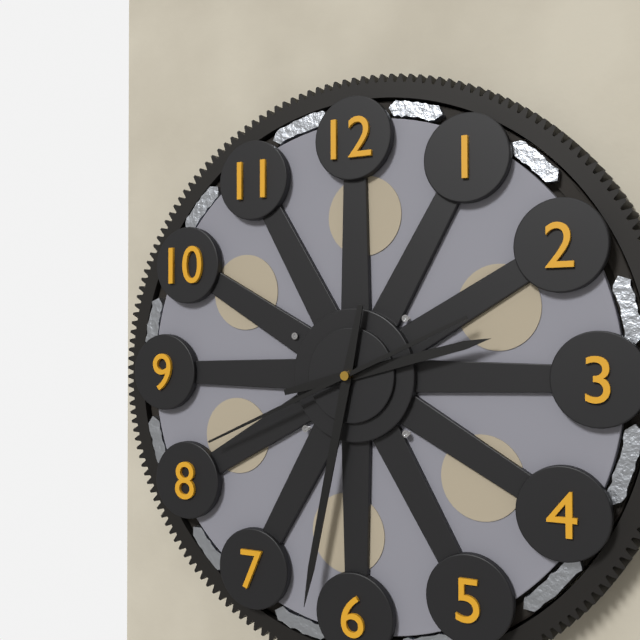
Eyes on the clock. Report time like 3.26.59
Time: 2.32.41
